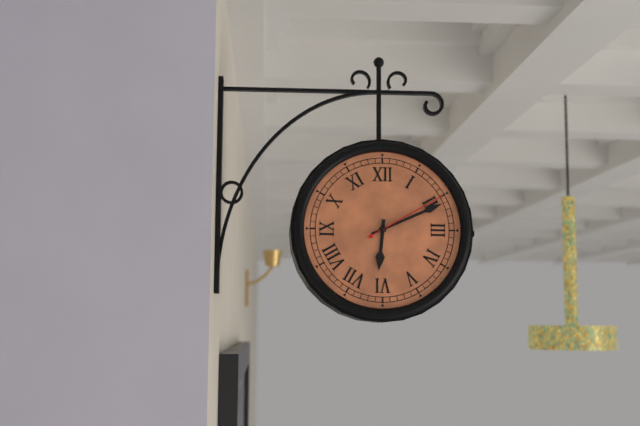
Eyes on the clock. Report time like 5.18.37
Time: 6.11.10
